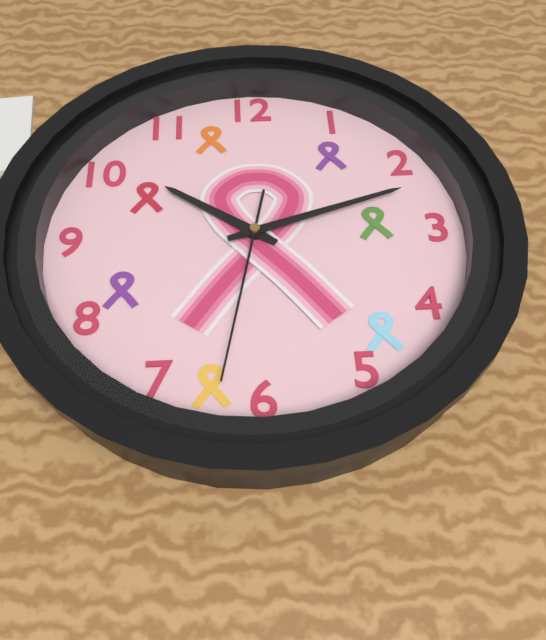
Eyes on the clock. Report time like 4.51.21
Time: 10.12.32
